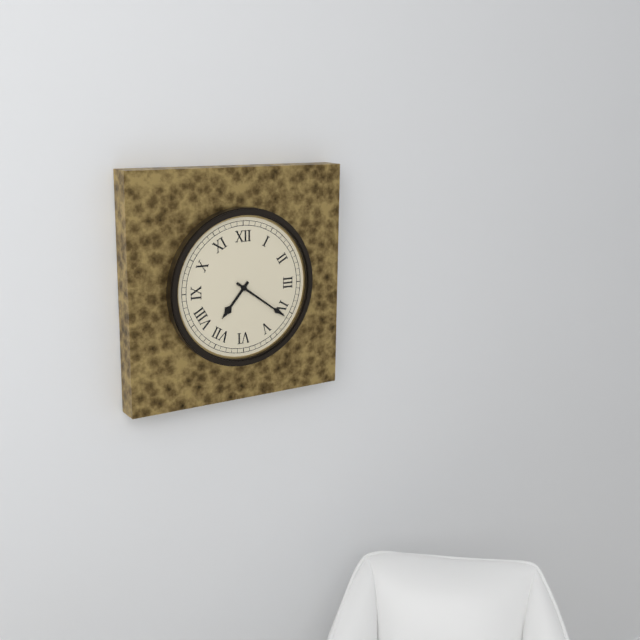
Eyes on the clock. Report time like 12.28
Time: 7.21
